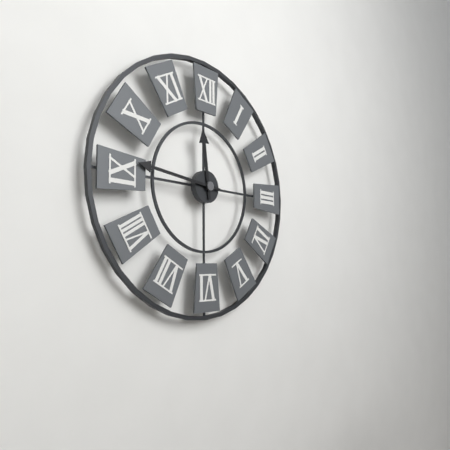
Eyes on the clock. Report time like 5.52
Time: 11.46
